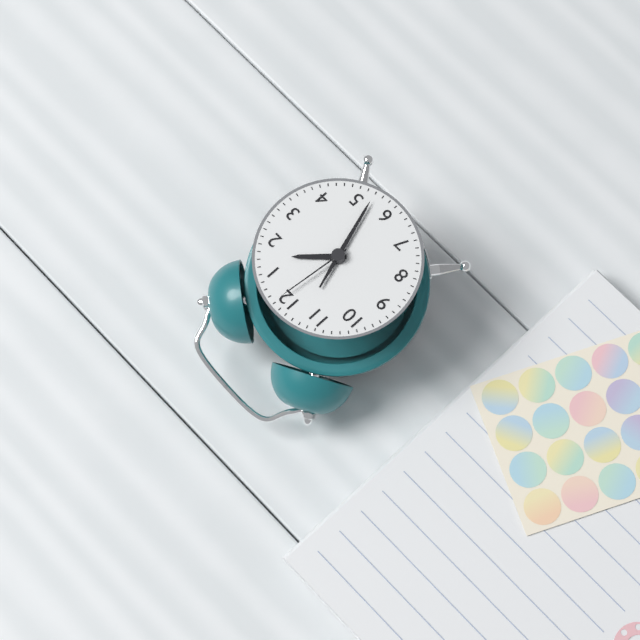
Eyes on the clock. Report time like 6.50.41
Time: 1.27.01
